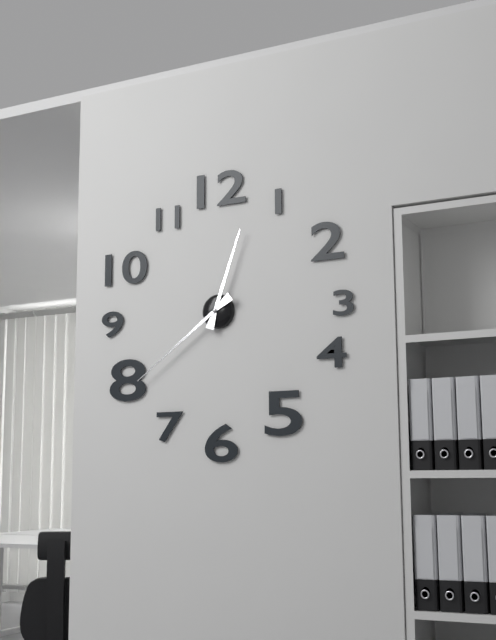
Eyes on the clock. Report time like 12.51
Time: 12.39
